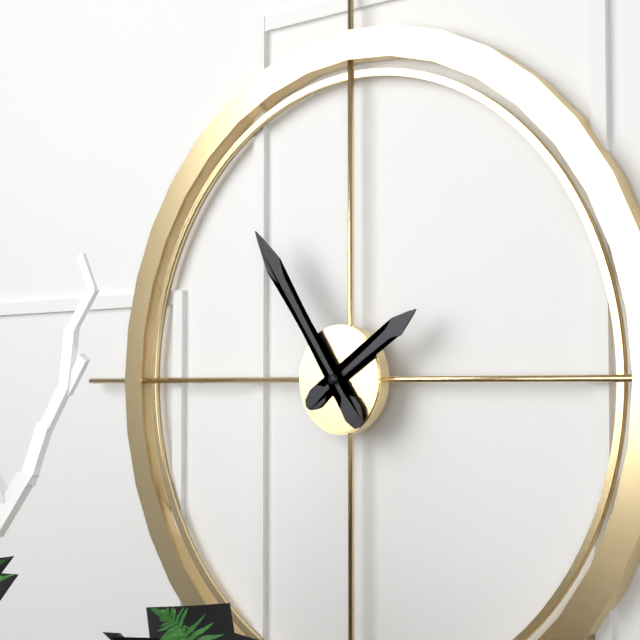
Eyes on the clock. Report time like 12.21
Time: 1.54
